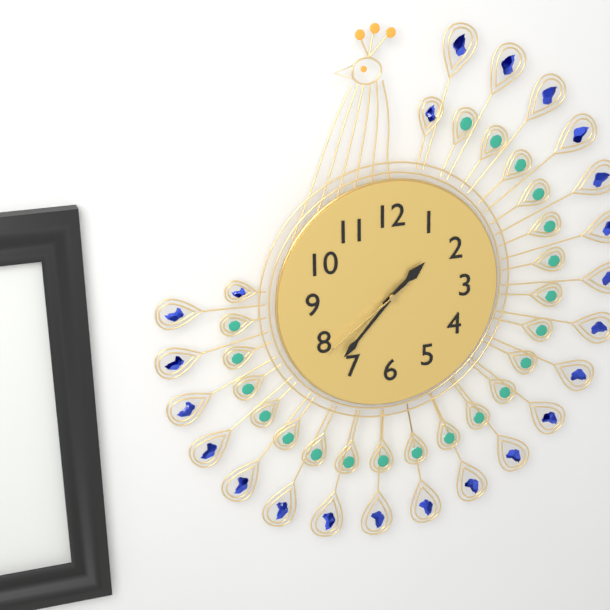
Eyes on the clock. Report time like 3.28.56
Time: 1.37.39
